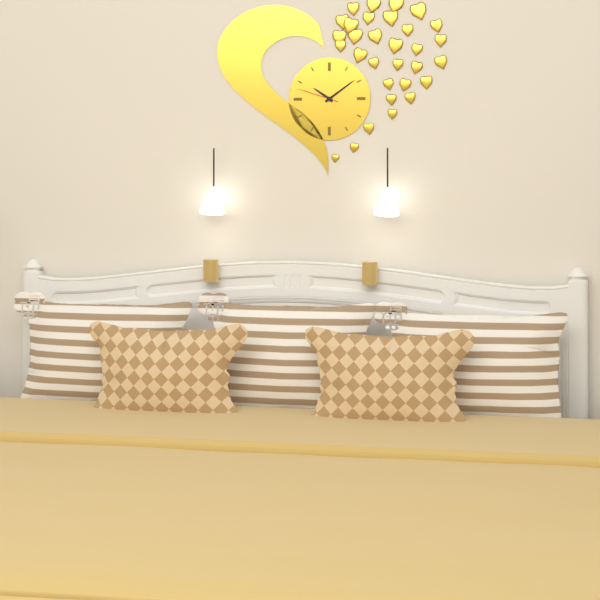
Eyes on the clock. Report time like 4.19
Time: 10.09
